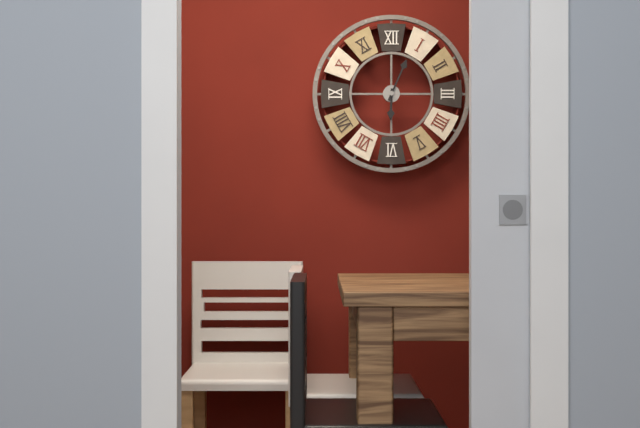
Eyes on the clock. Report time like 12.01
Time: 6.04
